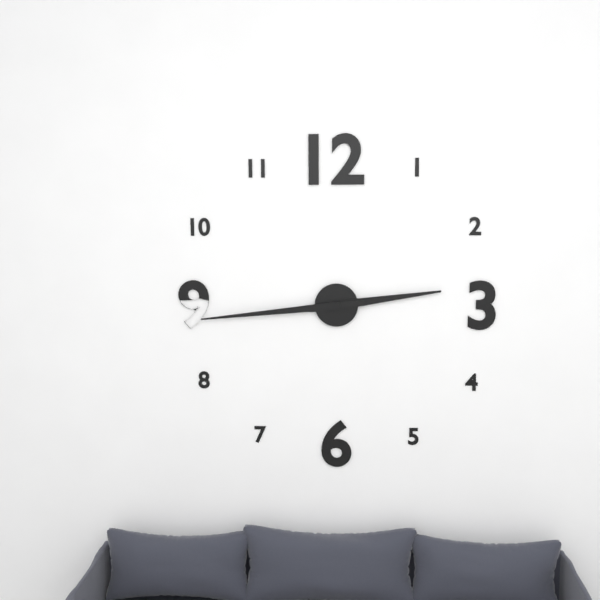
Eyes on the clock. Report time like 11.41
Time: 2.44
